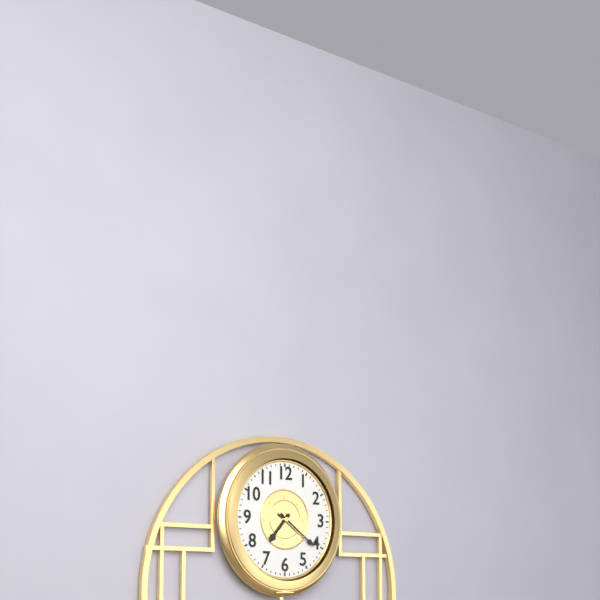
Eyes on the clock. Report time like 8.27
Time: 7.21
